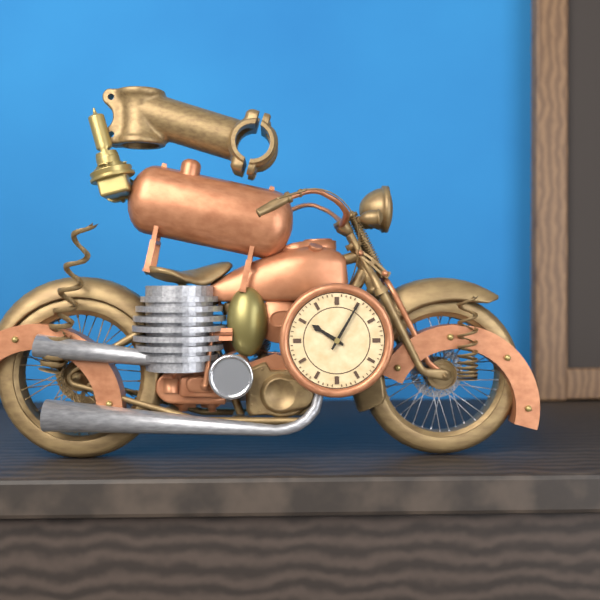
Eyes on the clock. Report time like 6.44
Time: 10.05
